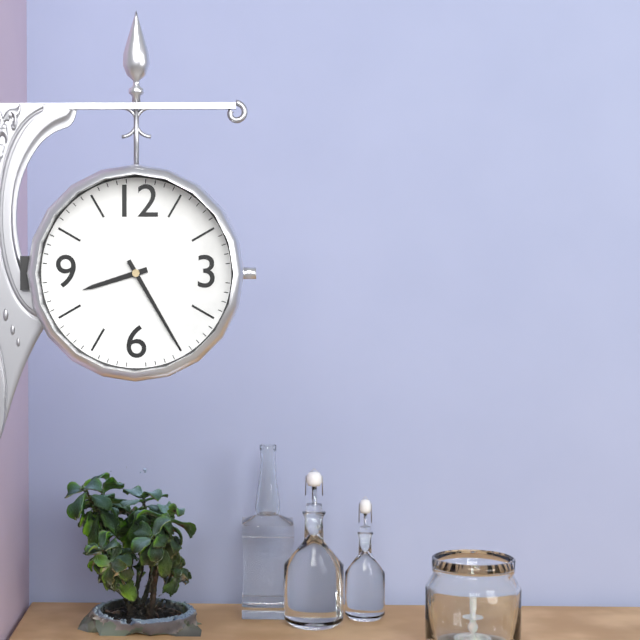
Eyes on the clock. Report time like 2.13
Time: 8.25
